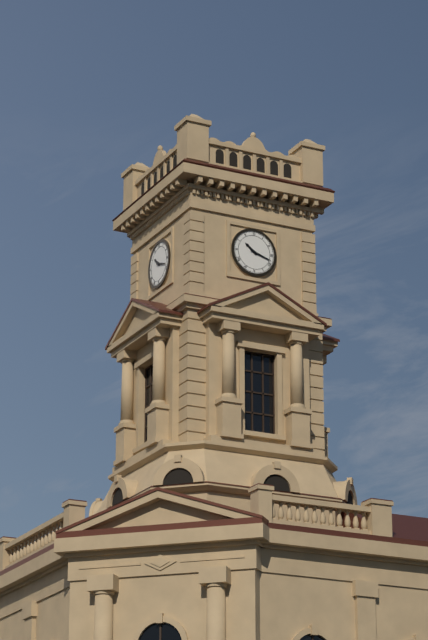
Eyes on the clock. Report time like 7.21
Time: 10.18
